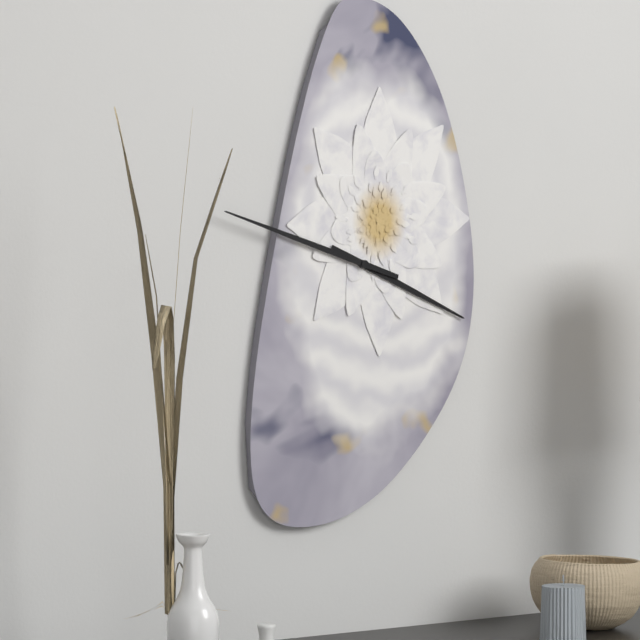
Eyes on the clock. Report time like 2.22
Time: 3.48
